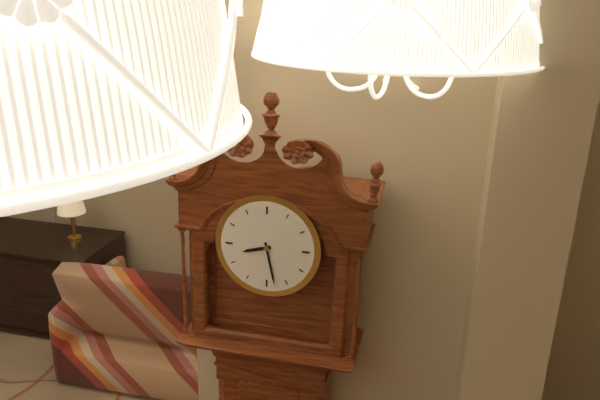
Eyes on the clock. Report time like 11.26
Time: 8.28
